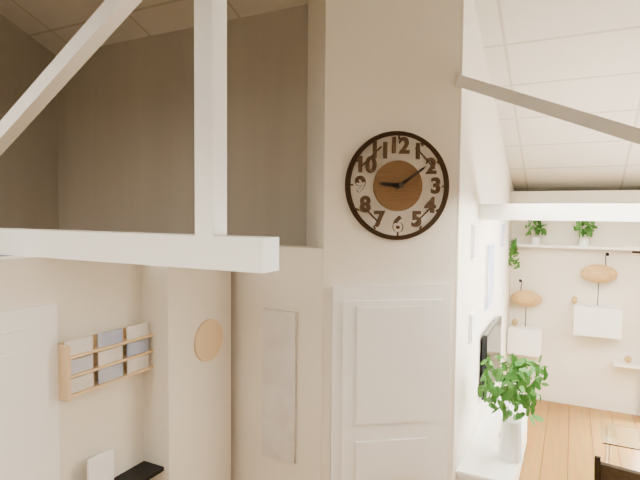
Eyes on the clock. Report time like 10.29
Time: 9.09
